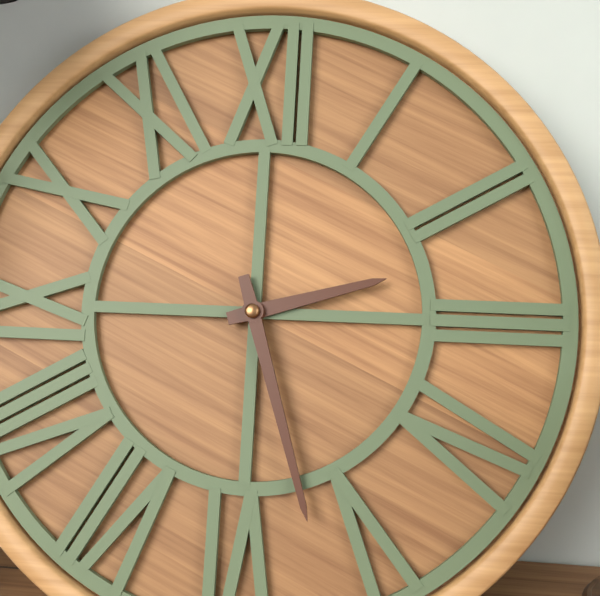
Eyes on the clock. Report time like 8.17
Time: 2.27
